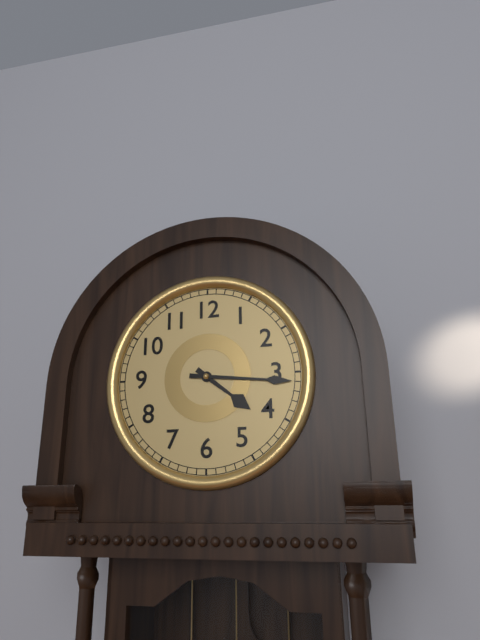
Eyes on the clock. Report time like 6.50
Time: 4.16
